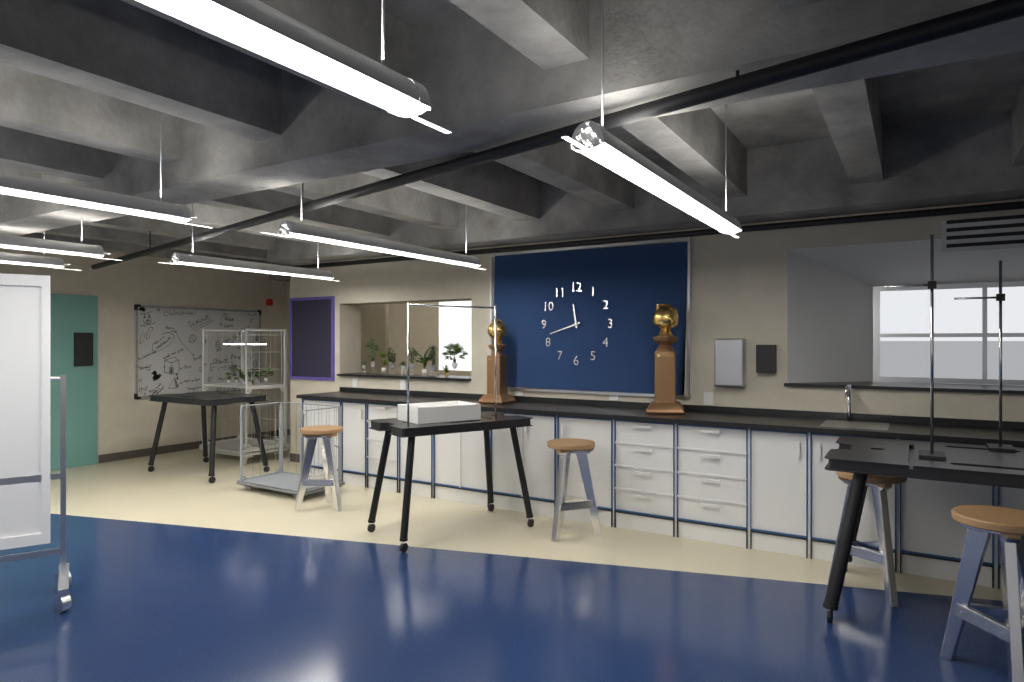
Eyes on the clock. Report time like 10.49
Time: 11.42
